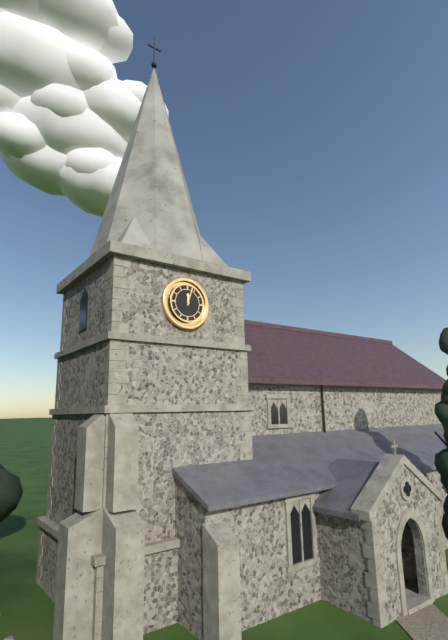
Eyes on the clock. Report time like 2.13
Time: 12.03
